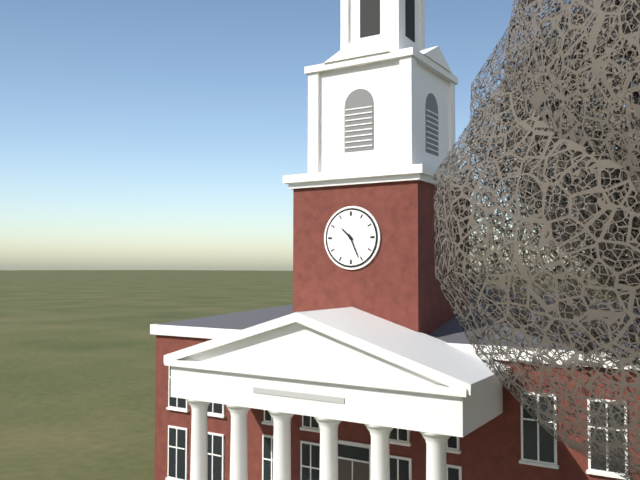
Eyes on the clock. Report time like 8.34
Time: 10.26
